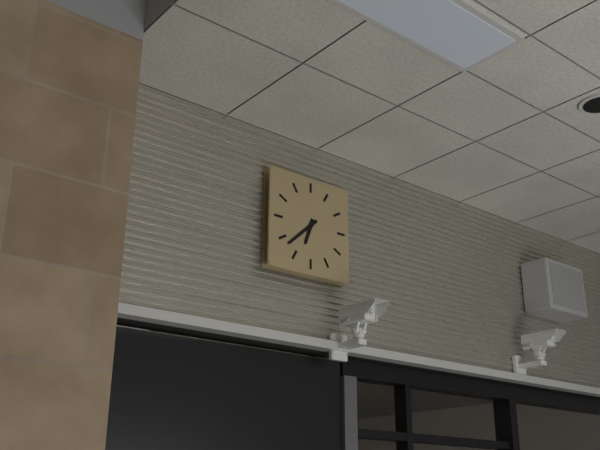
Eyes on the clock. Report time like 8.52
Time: 6.38
